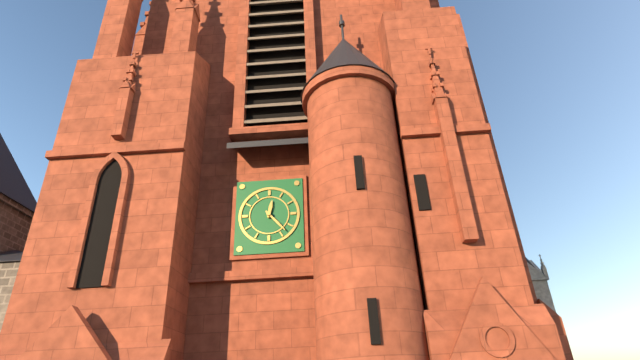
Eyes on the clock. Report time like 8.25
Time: 12.23
